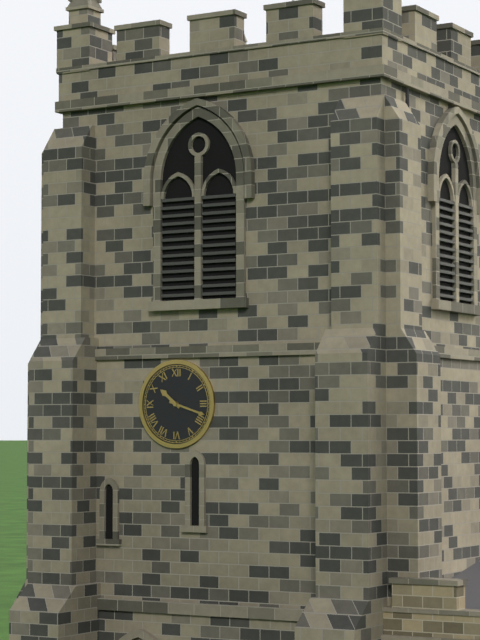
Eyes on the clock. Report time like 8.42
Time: 10.18
